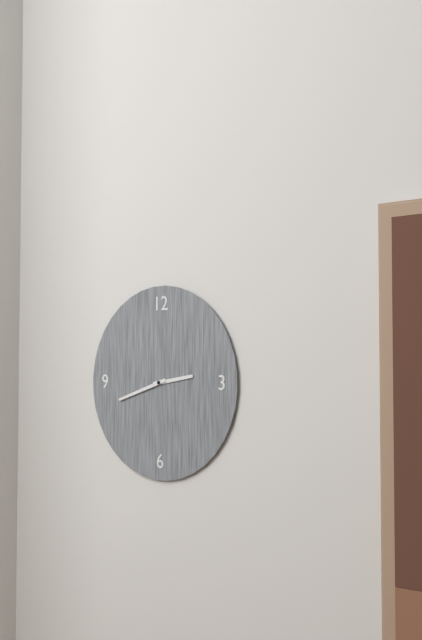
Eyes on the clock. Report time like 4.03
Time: 2.42
